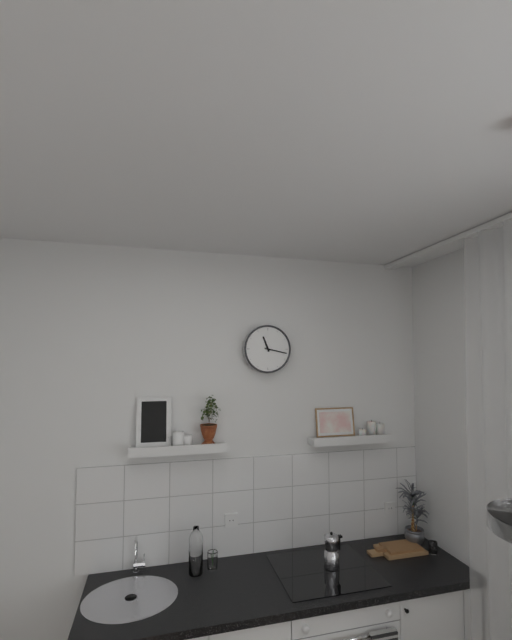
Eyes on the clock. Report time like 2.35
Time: 11.17
